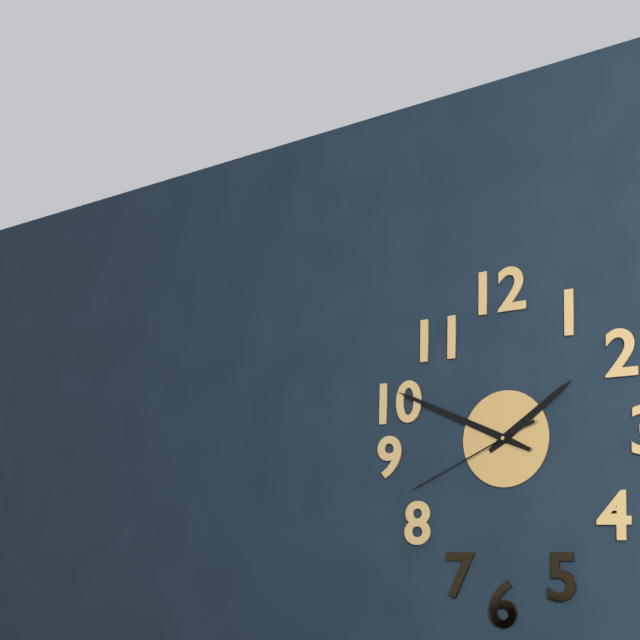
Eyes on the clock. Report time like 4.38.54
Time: 1.49.41
